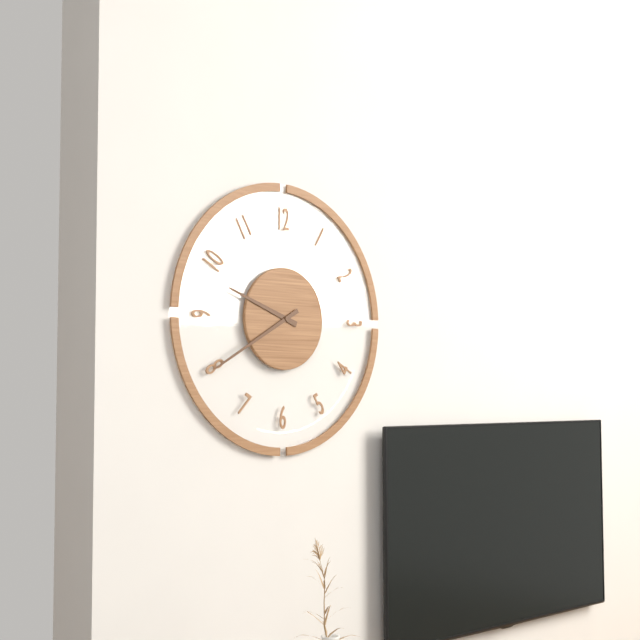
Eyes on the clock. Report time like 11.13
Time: 9.40
